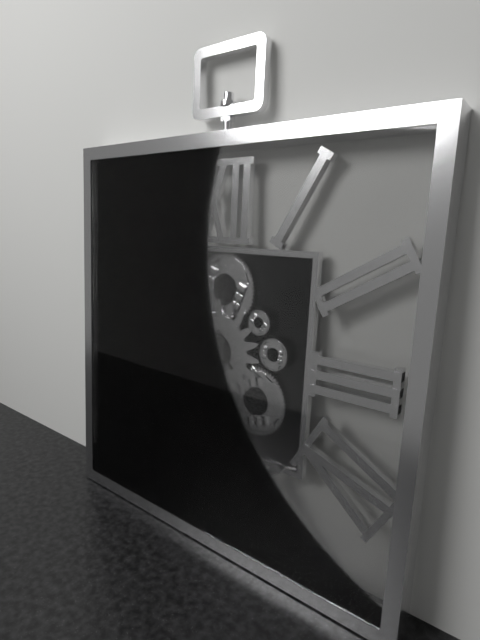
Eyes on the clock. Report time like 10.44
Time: 5.52
